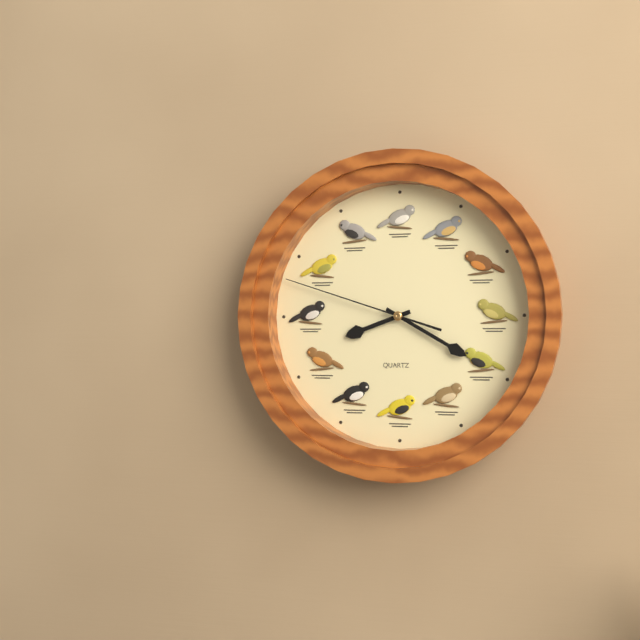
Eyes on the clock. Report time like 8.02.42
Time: 8.20.48
